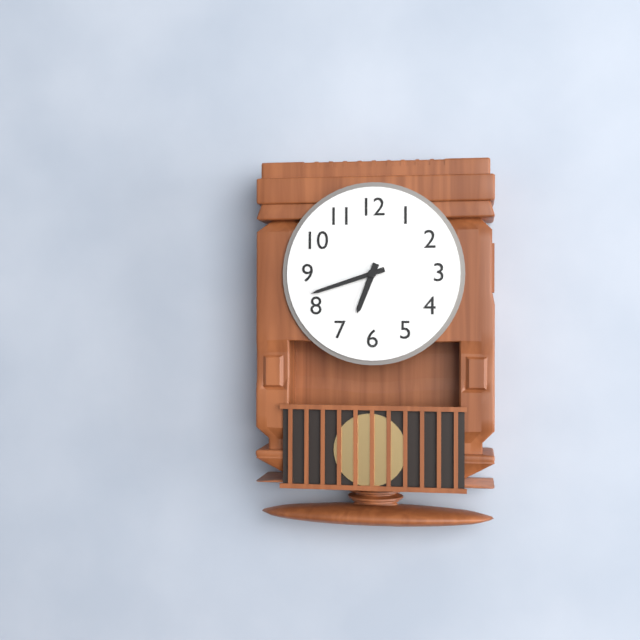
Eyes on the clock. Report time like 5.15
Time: 6.42
